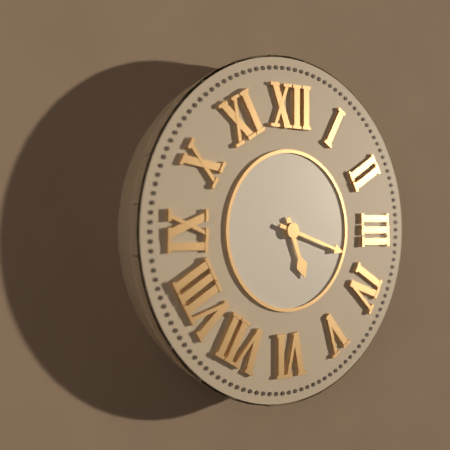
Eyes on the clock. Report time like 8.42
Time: 5.18
